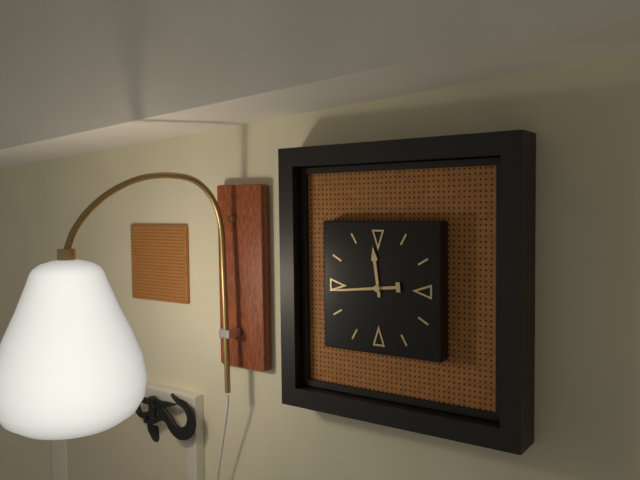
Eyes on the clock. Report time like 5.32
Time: 11.44
